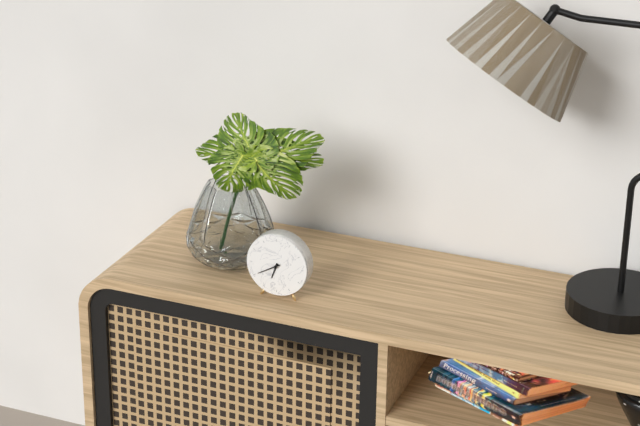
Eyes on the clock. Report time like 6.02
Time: 6.40
